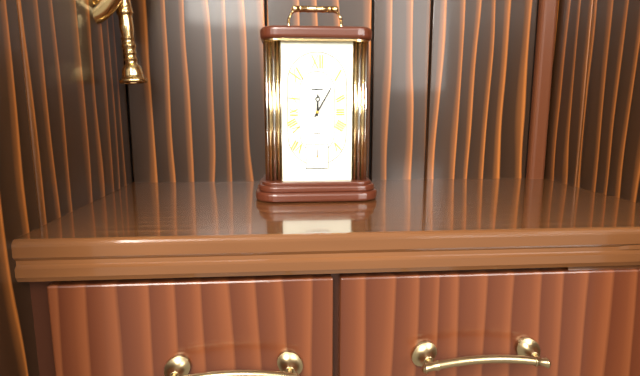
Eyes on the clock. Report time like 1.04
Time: 12.05
